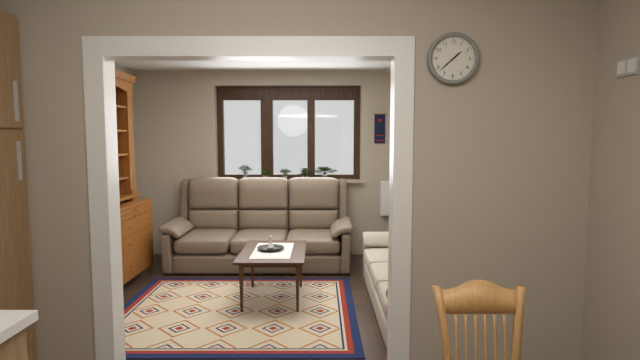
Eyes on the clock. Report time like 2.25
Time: 1.38
